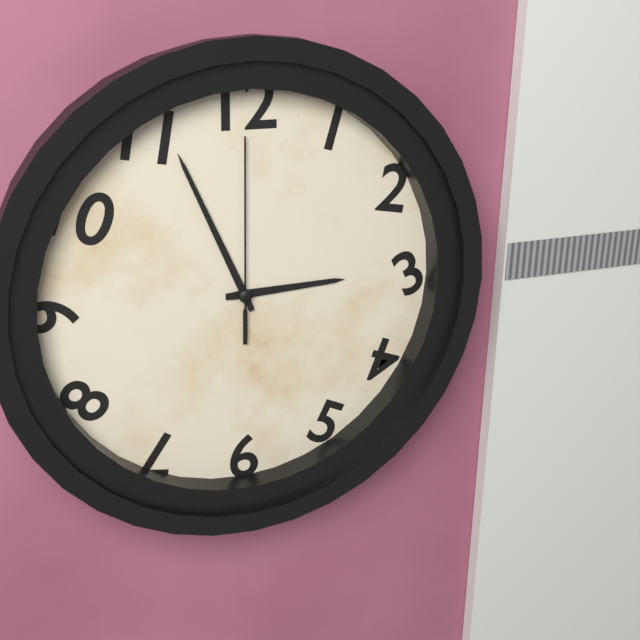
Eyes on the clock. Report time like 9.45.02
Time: 2.56.00
